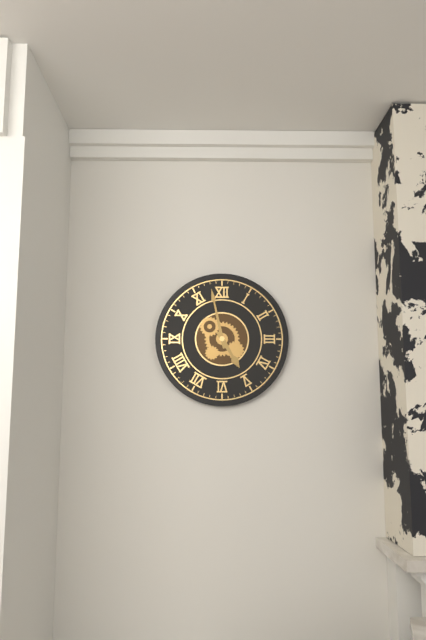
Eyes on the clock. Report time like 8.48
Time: 4.58
